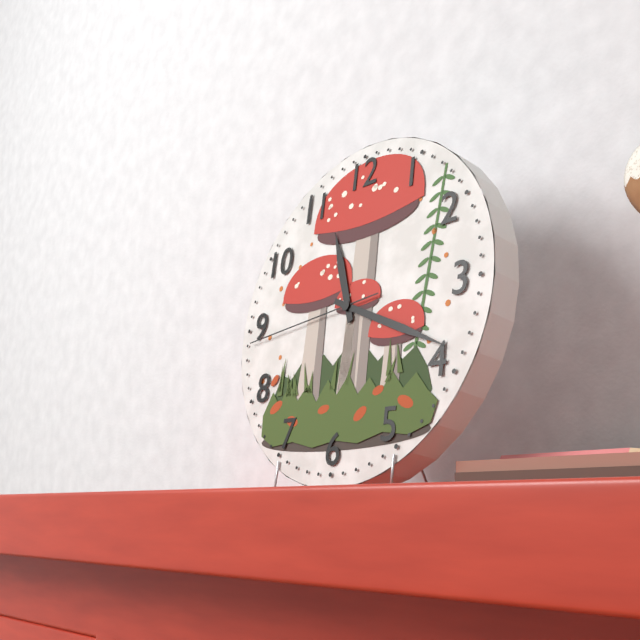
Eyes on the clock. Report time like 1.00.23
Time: 11.19.44
